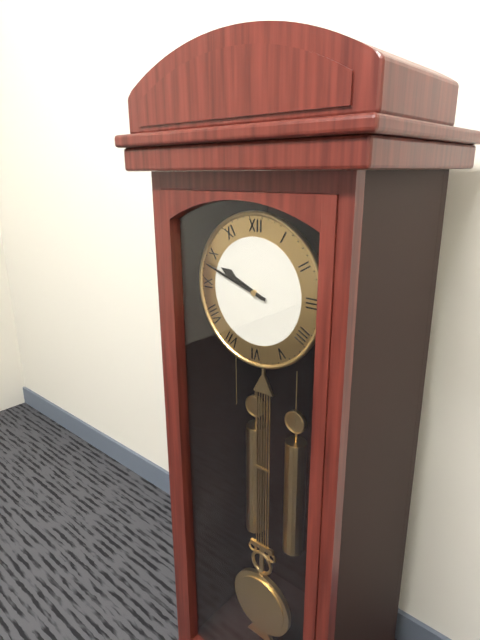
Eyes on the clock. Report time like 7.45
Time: 9.48
